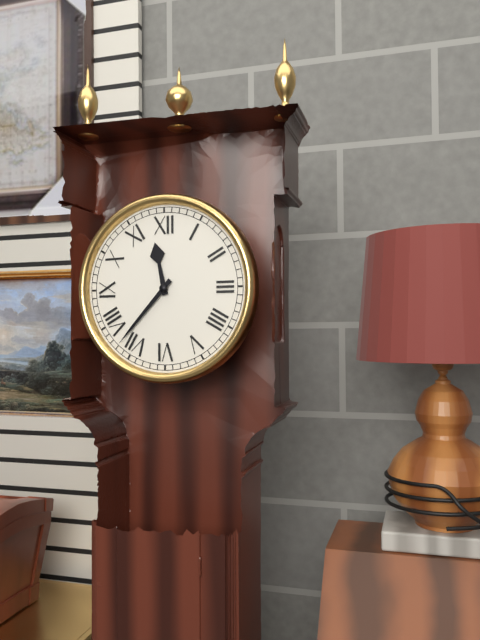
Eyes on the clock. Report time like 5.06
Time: 11.37
